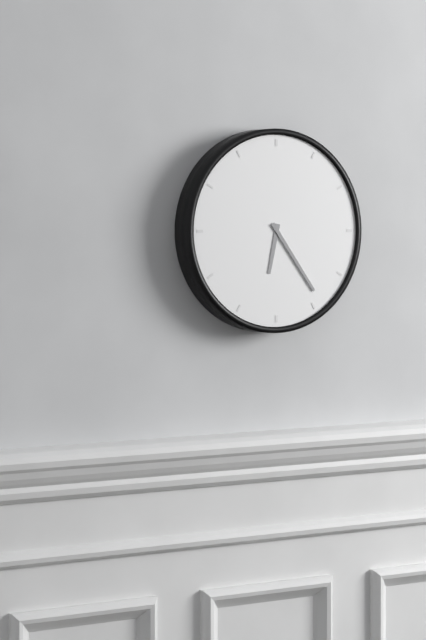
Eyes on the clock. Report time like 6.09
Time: 6.24
